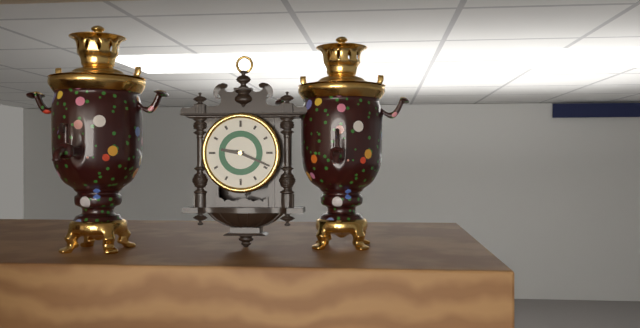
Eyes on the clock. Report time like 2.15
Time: 9.19
